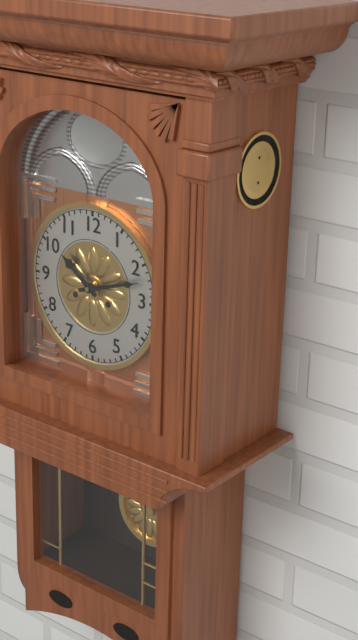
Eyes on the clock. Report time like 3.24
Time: 10.12
